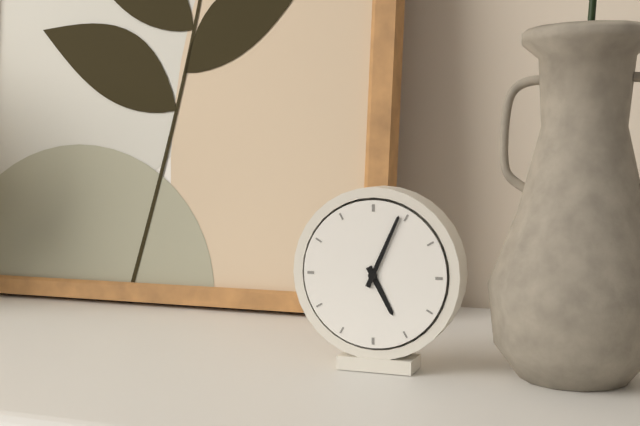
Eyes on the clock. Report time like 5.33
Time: 5.04
